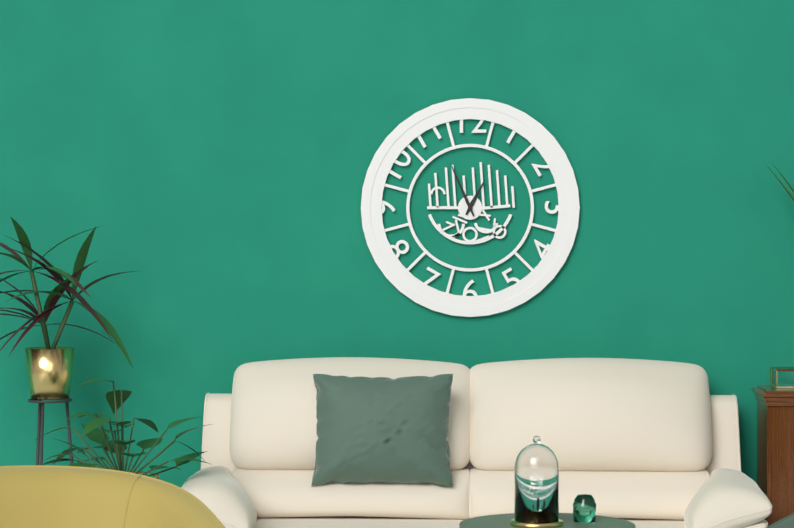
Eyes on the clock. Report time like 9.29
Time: 12.56
